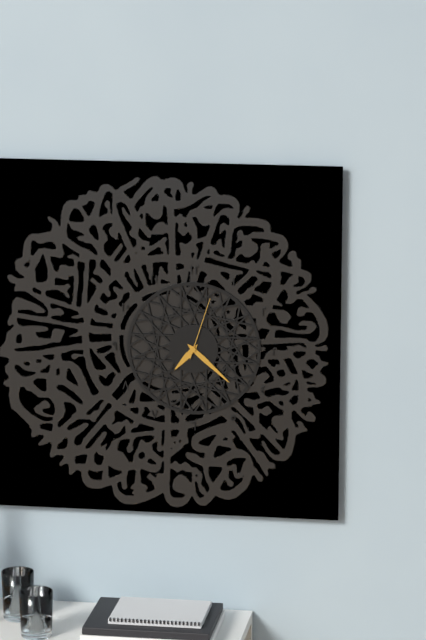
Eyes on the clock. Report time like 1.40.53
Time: 7.22.03
